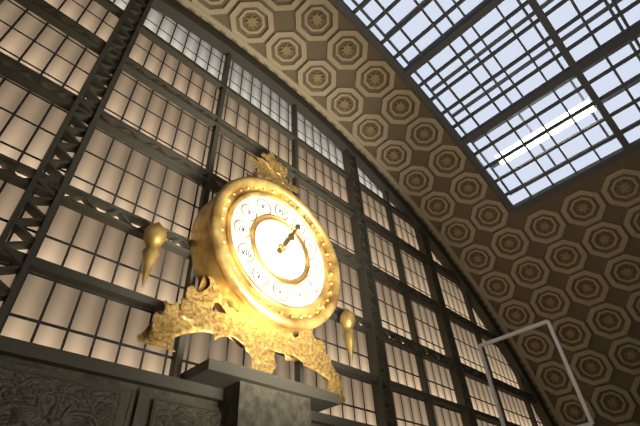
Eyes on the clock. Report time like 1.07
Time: 1.05
